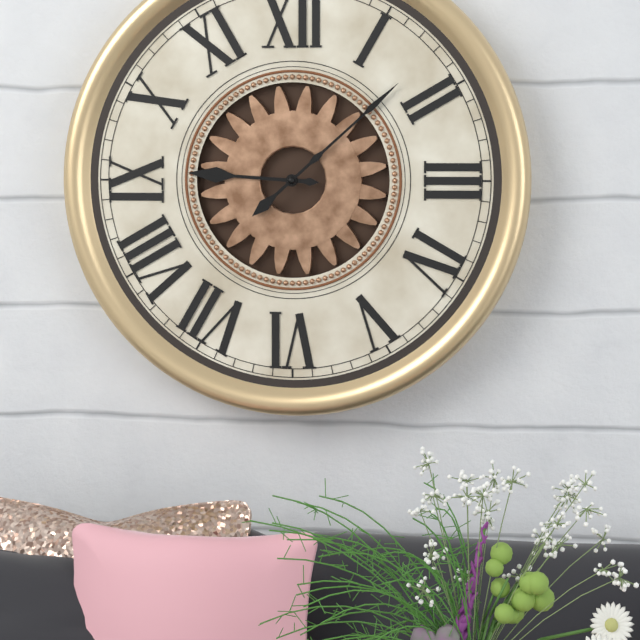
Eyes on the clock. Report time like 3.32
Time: 9.08
